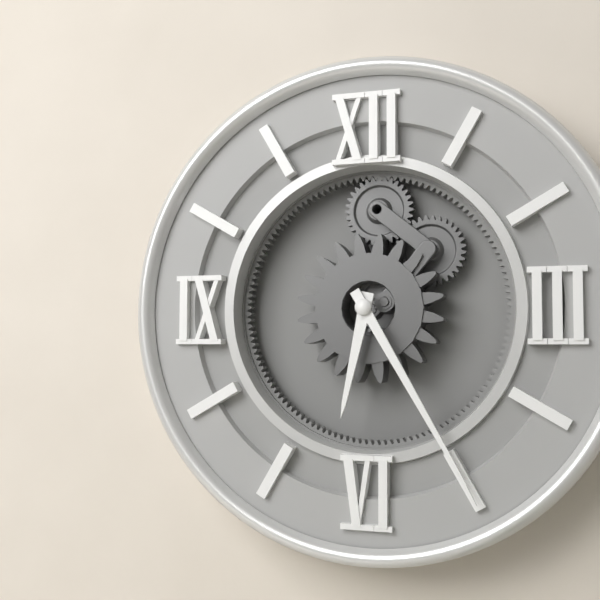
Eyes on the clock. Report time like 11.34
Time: 6.25
